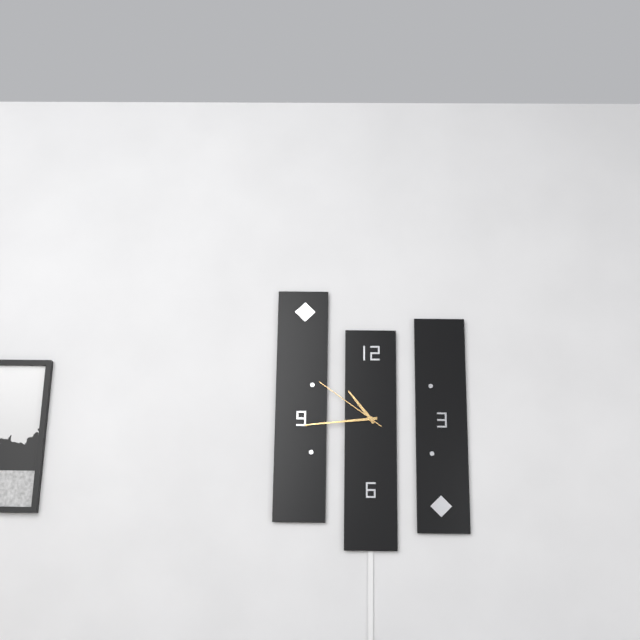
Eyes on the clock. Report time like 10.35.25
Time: 10.44.51
